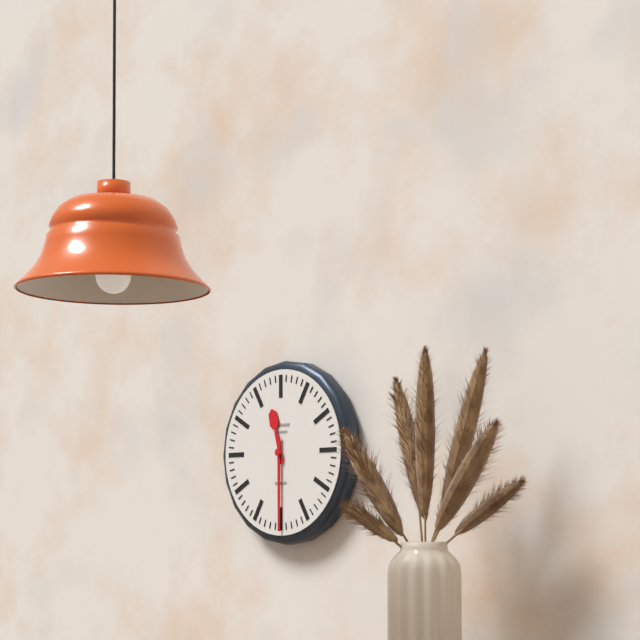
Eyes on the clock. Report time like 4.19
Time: 11.30
